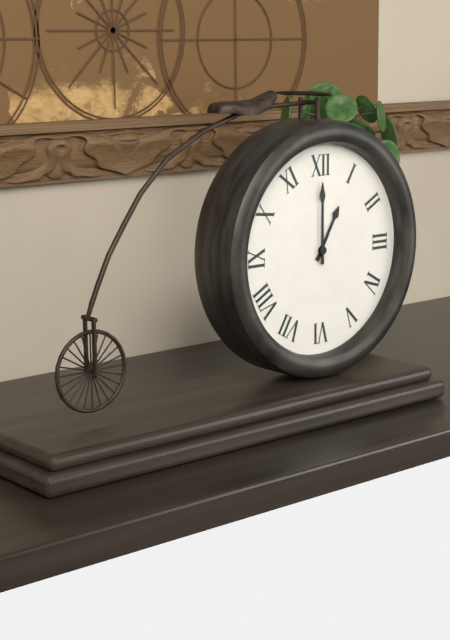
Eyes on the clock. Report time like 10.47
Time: 1.00
